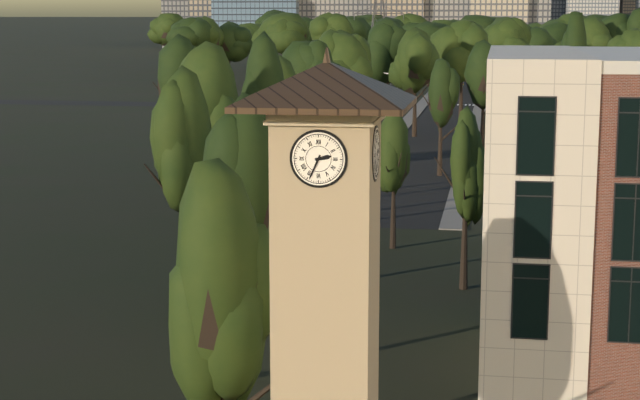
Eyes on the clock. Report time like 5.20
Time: 2.34
